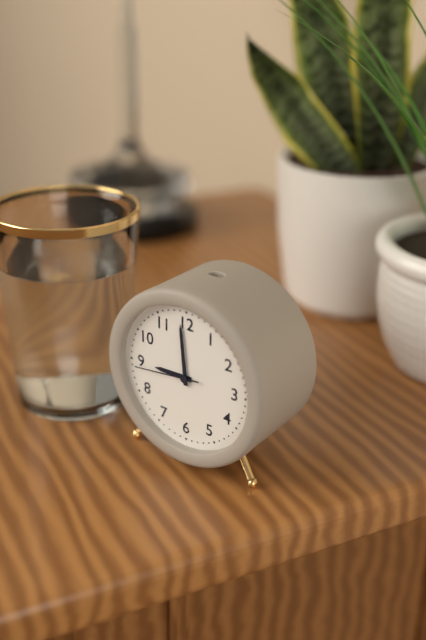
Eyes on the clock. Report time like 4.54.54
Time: 8.59.44
